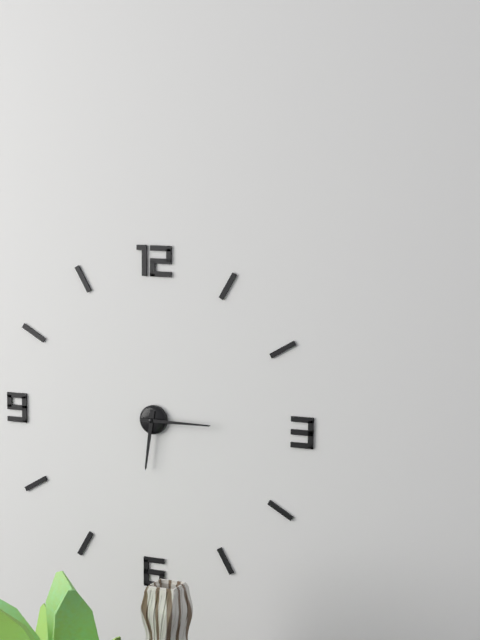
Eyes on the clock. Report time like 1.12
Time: 6.15
